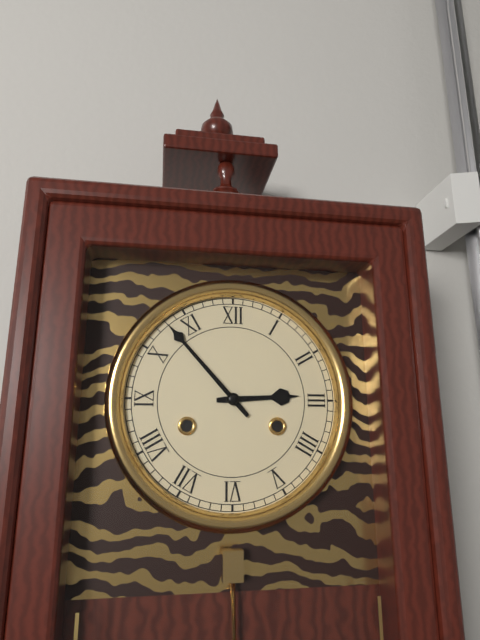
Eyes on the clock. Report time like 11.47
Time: 2.53
